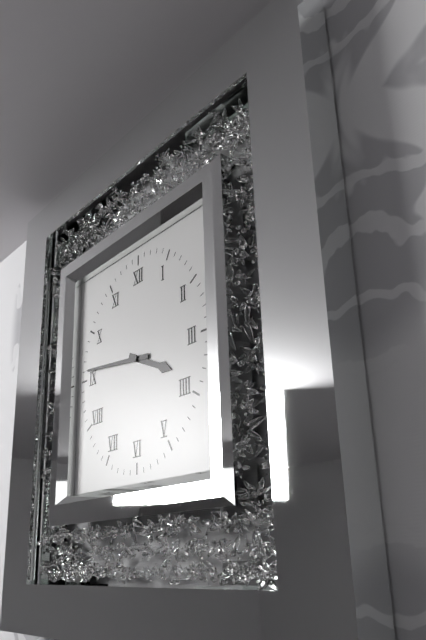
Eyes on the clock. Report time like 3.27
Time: 3.46
